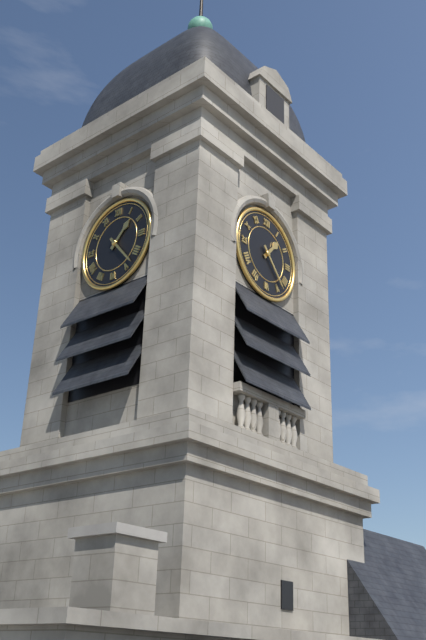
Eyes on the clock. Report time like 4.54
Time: 1.23
